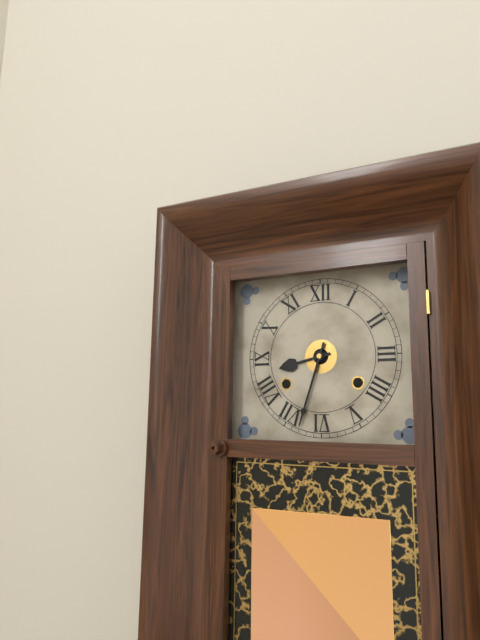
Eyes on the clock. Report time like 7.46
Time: 8.33
